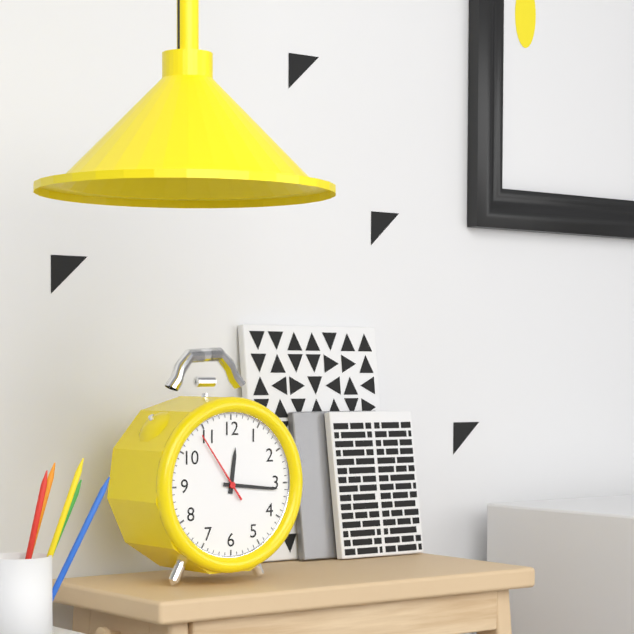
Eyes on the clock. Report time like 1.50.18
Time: 12.16.54
